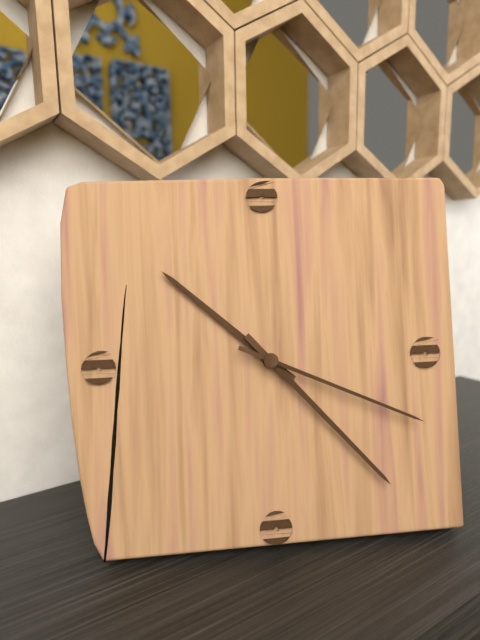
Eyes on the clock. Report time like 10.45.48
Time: 10.23.19
